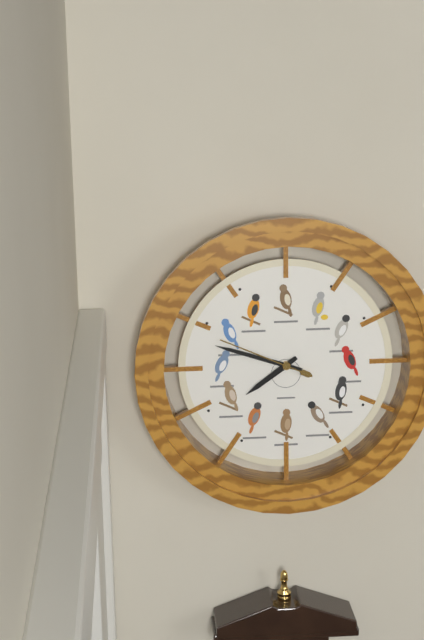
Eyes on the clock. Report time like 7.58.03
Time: 7.48.49
